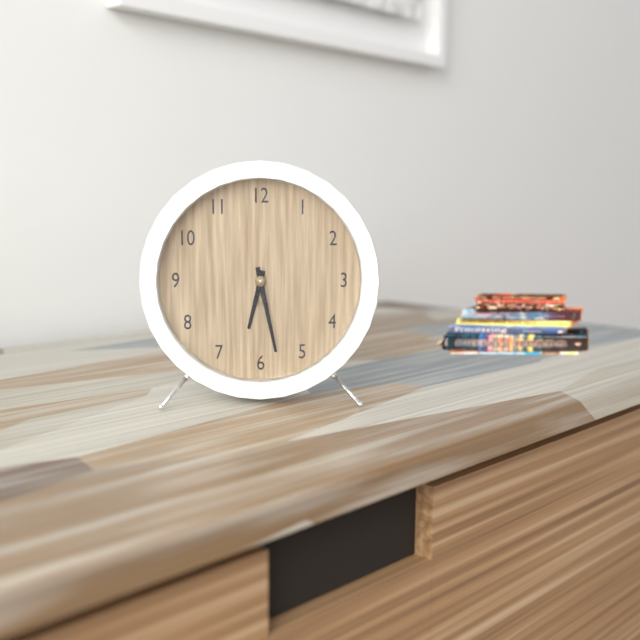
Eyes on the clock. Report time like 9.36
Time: 6.28
